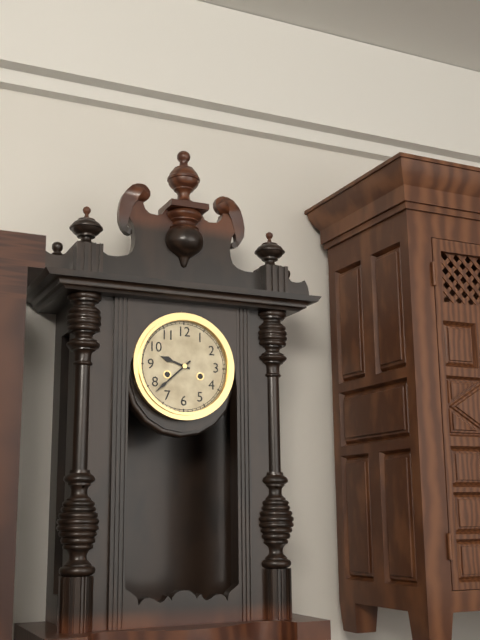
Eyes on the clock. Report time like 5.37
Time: 9.38
